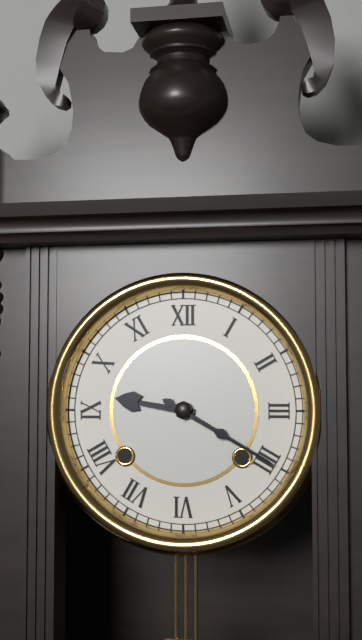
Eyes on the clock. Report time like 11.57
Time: 9.20
